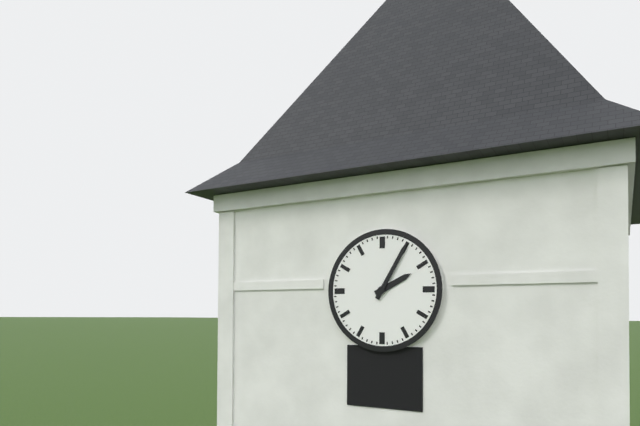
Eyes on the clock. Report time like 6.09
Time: 2.05
